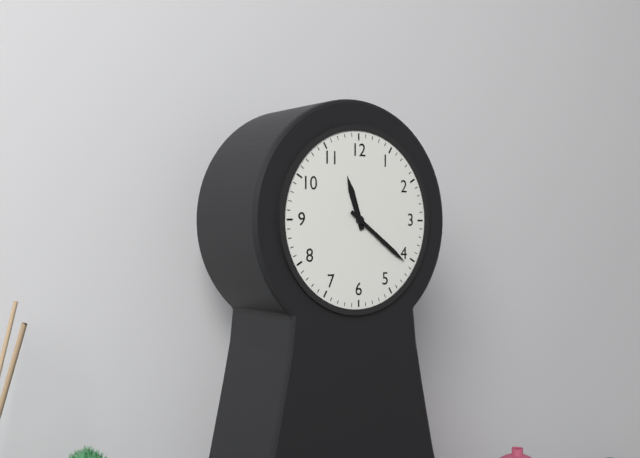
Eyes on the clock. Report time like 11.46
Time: 11.21
